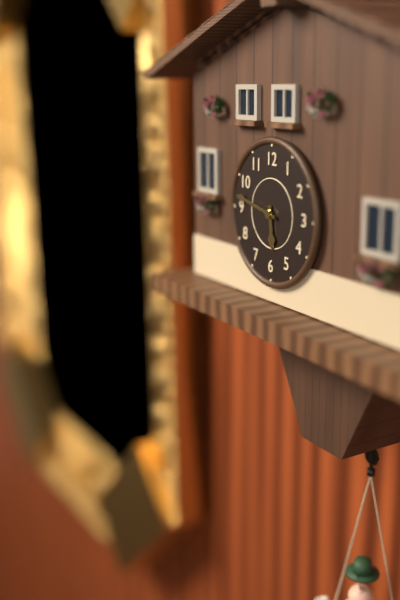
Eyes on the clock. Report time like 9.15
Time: 5.47
